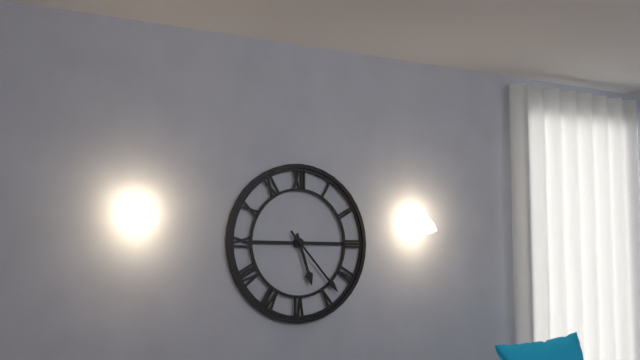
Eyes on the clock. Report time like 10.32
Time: 5.23
